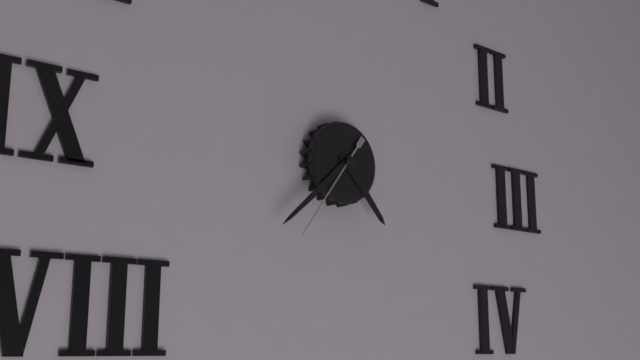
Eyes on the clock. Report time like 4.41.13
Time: 4.38.36
